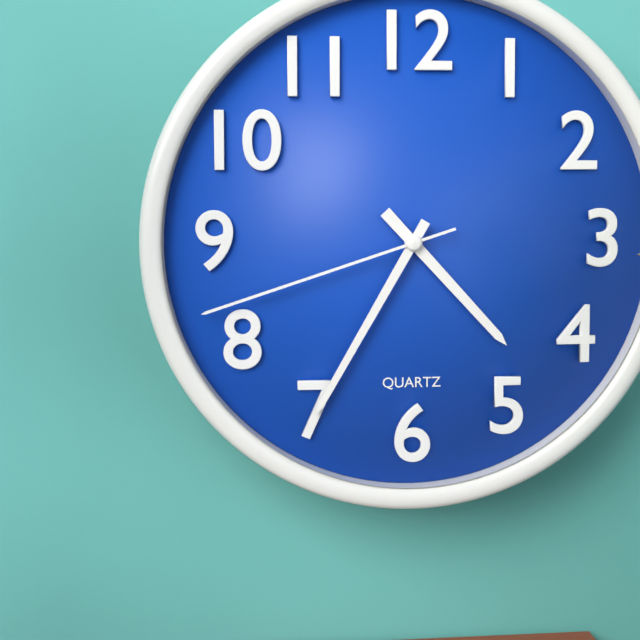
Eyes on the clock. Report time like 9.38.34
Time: 4.35.42
